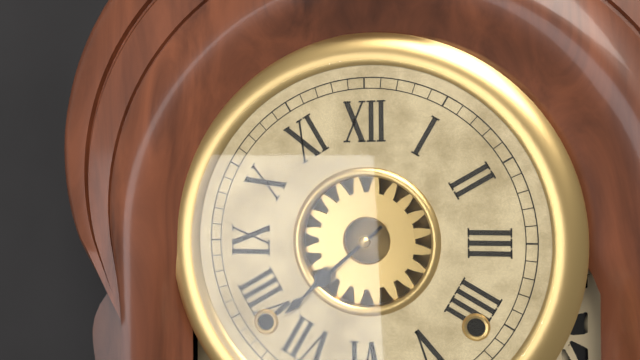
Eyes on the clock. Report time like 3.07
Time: 7.38
